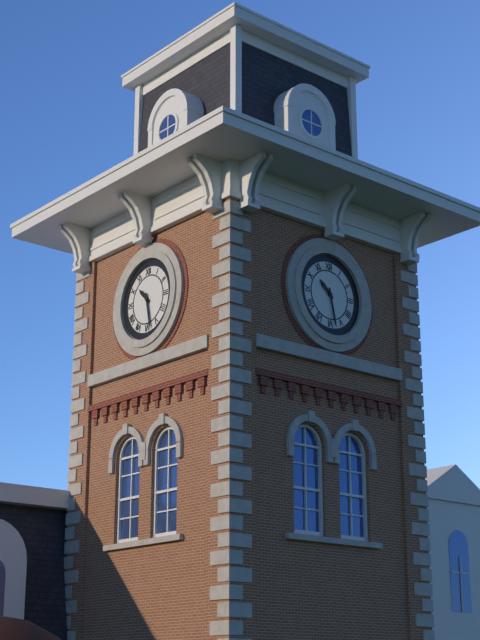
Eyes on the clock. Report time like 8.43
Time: 10.28
